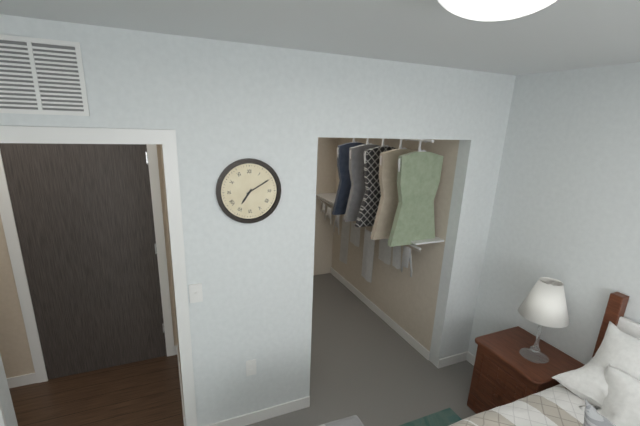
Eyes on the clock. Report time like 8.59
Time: 7.10
